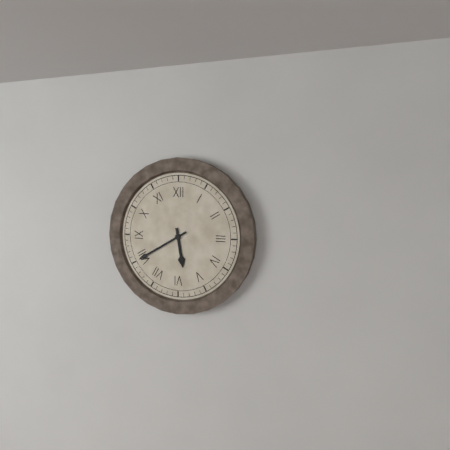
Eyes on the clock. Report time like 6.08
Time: 5.40
